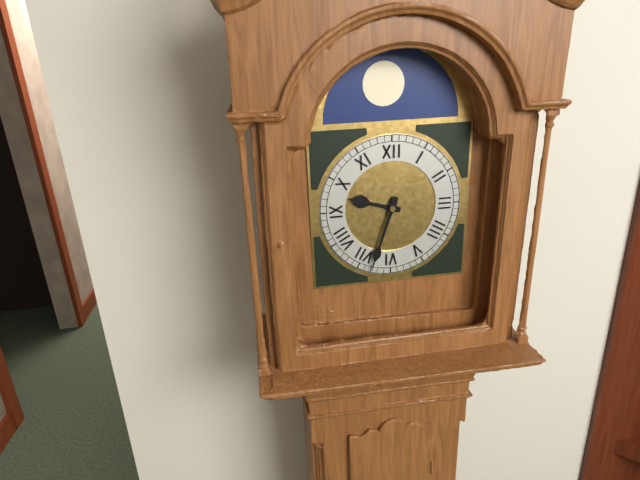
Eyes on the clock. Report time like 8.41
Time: 9.33
